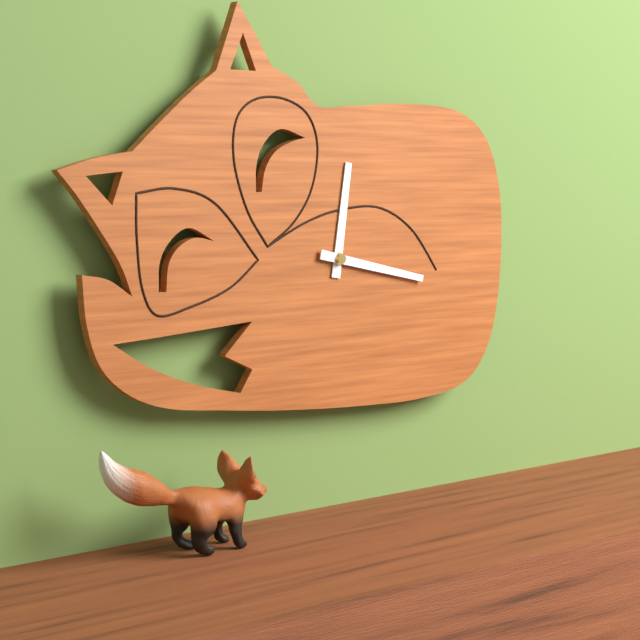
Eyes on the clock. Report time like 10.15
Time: 12.17
